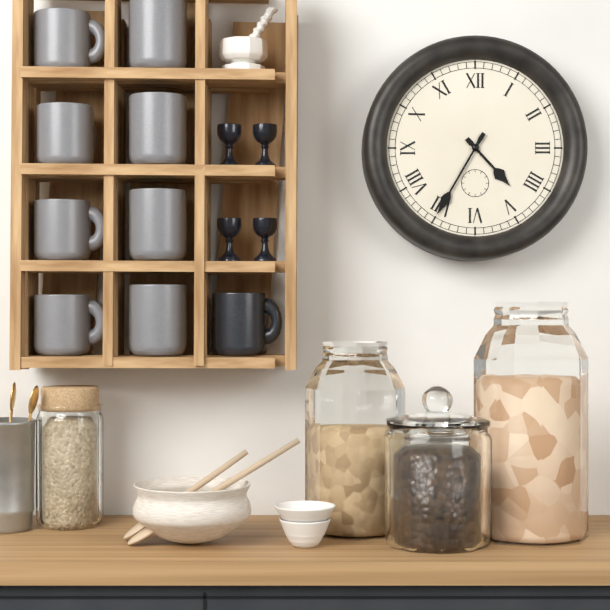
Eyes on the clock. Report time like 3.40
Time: 4.35
